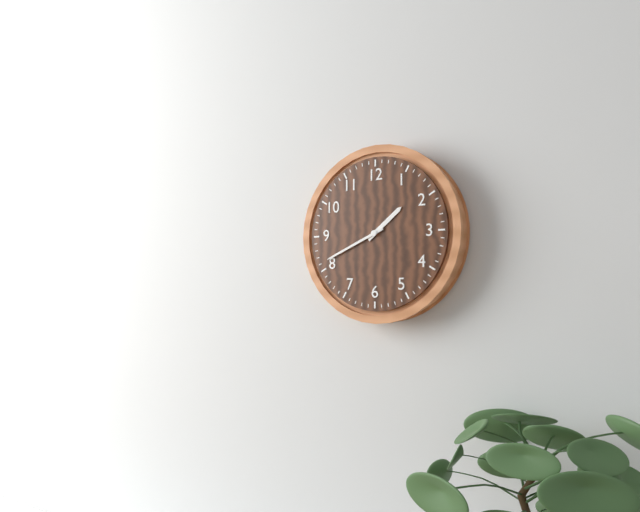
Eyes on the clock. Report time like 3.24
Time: 1.41
